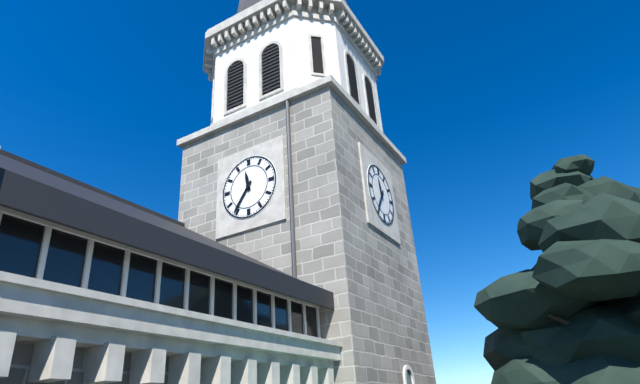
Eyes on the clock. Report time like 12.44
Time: 11.36
